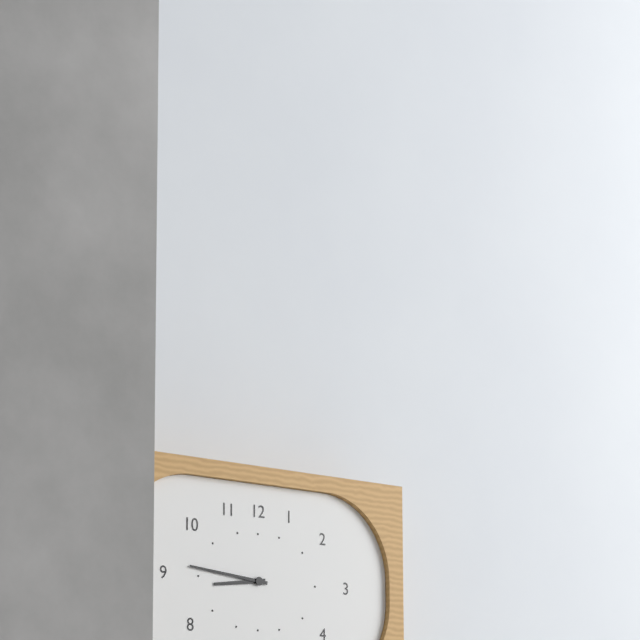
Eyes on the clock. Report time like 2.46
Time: 8.46
